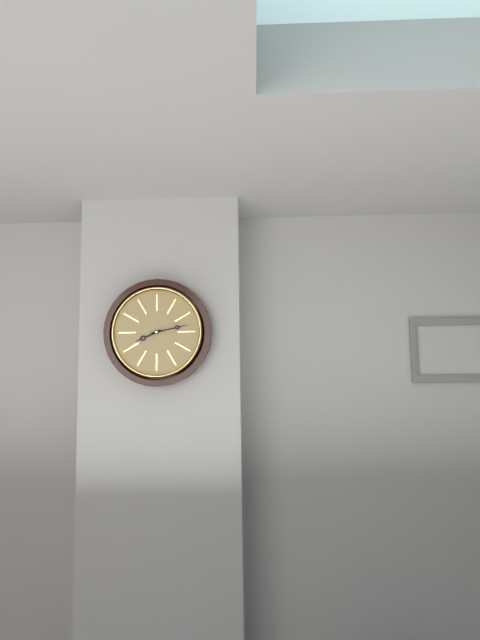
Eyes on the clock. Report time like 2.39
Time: 8.13
